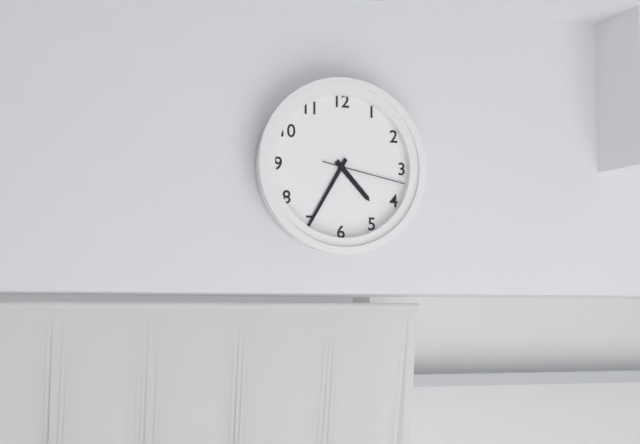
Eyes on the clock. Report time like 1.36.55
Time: 4.35.17
